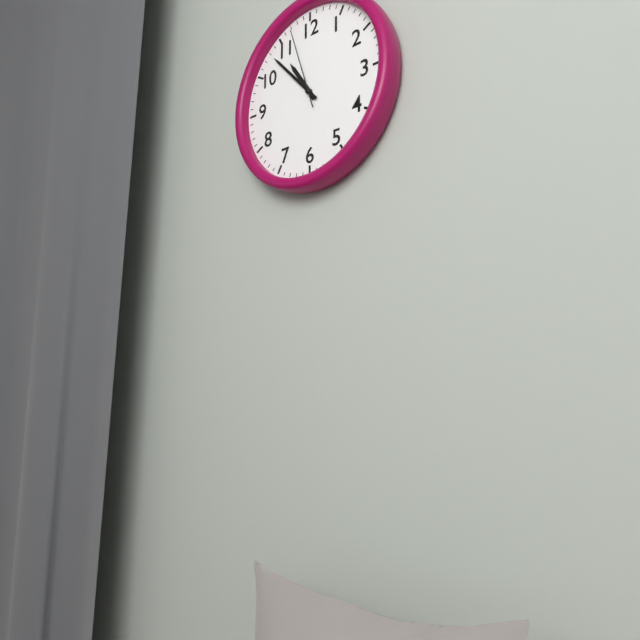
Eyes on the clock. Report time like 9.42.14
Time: 10.53.57
